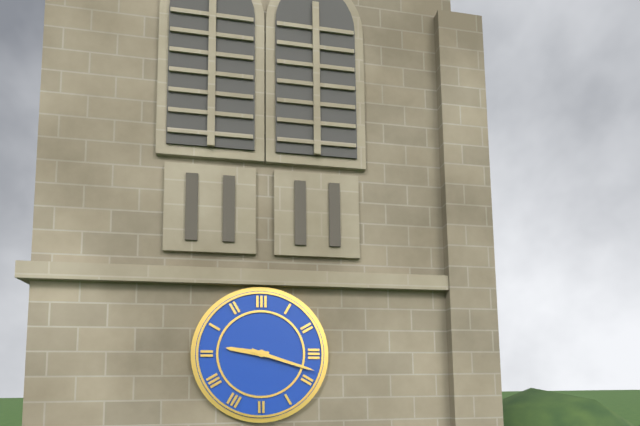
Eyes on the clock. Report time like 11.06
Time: 9.18
